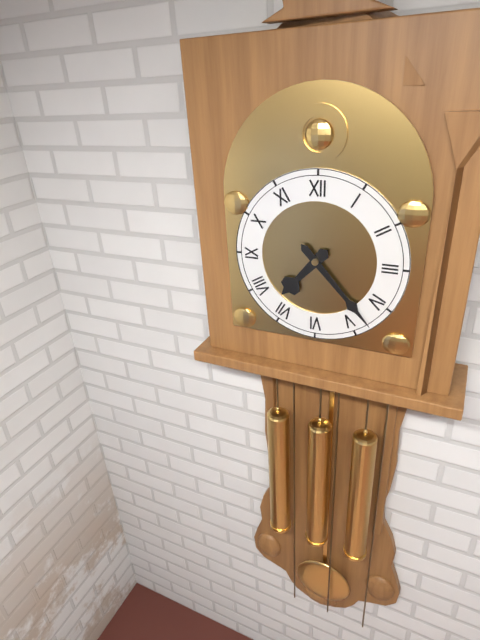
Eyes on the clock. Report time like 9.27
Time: 7.23
